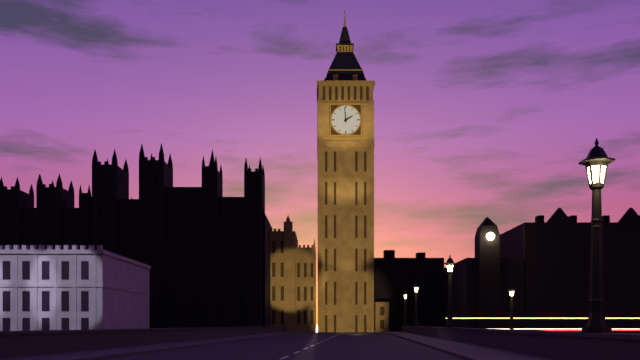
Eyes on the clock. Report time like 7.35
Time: 1.59
